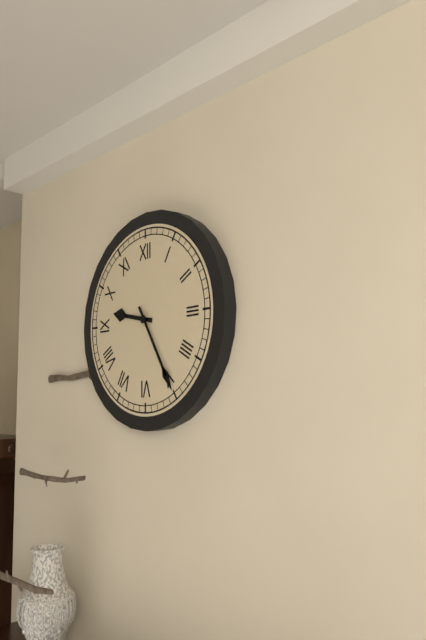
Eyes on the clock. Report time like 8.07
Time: 9.25
